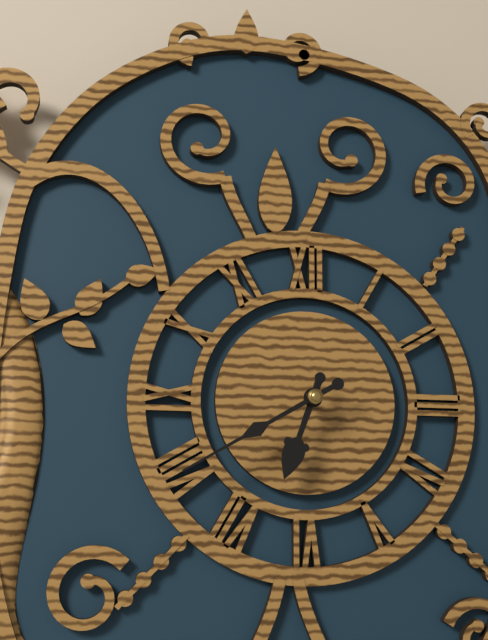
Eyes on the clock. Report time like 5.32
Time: 6.40
